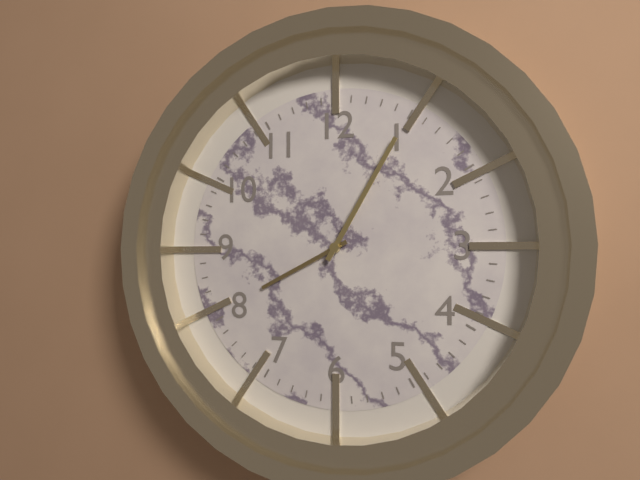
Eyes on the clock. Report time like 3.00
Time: 8.05
